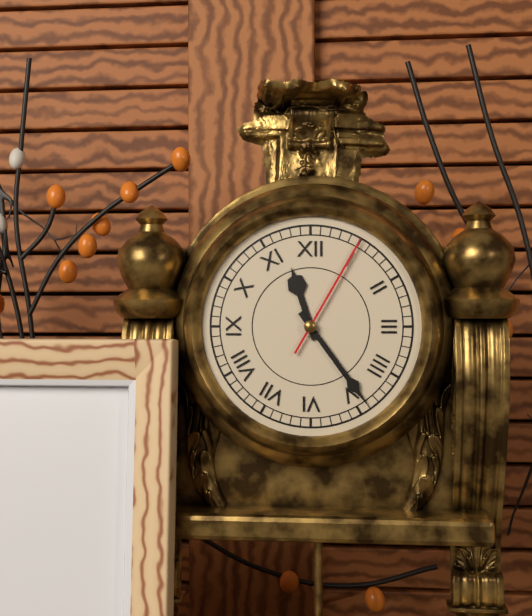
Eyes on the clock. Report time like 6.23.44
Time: 11.24.05
